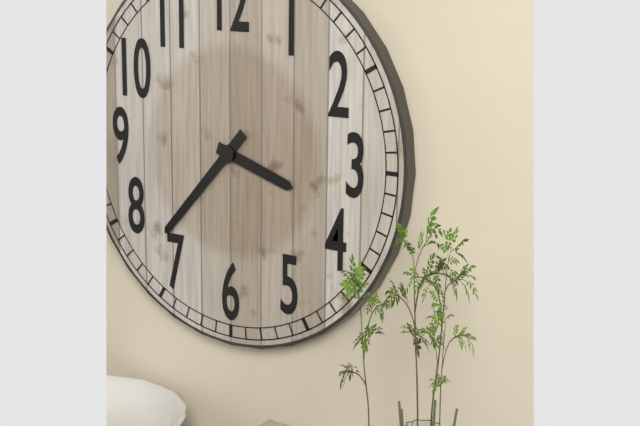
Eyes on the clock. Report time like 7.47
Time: 3.37
